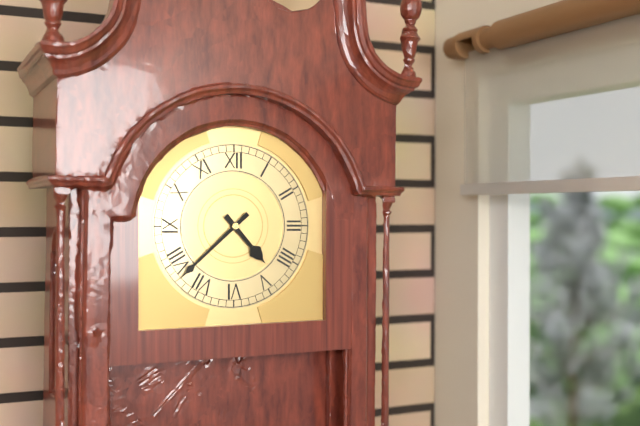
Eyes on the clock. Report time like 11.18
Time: 4.38
